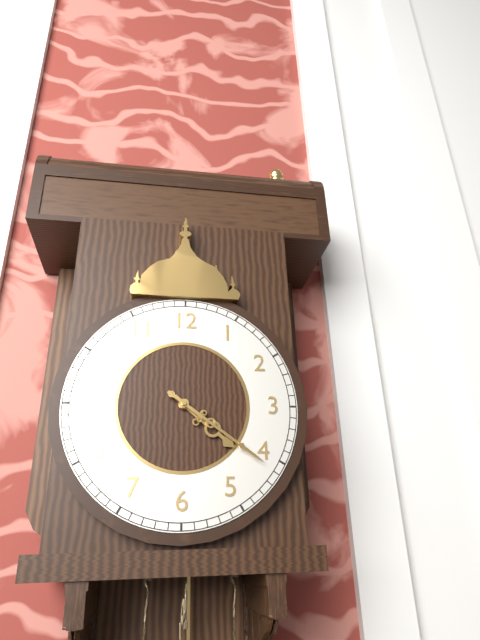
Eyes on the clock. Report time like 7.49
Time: 4.21
